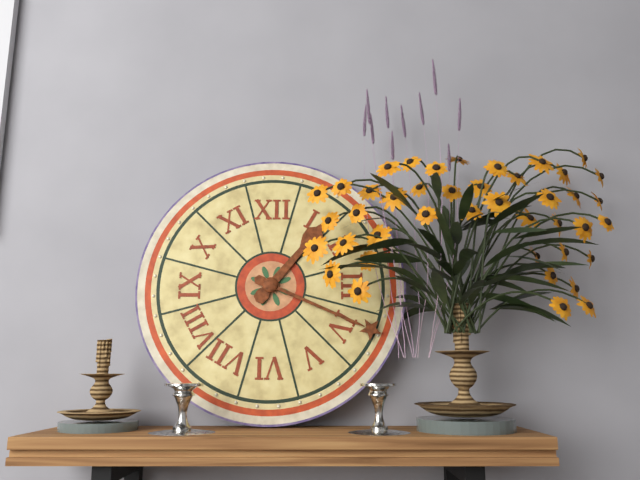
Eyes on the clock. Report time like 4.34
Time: 1.19
